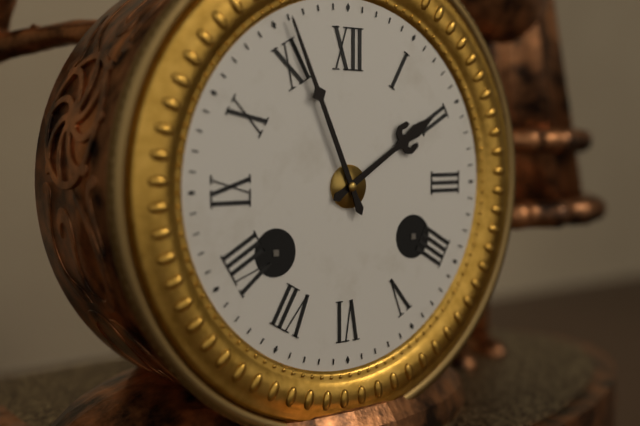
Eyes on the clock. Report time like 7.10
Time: 1.56
